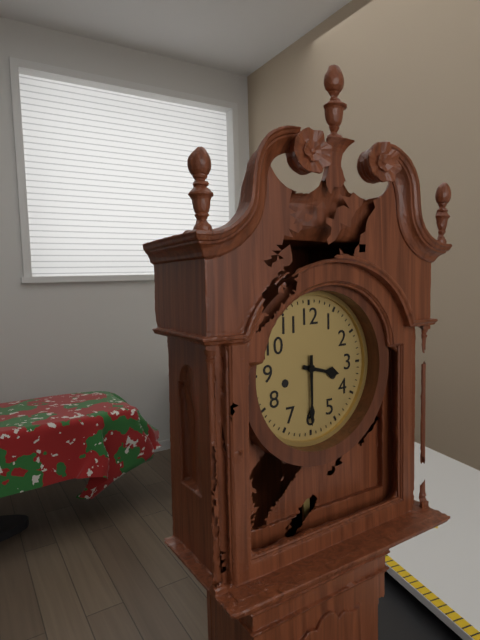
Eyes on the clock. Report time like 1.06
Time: 3.30
